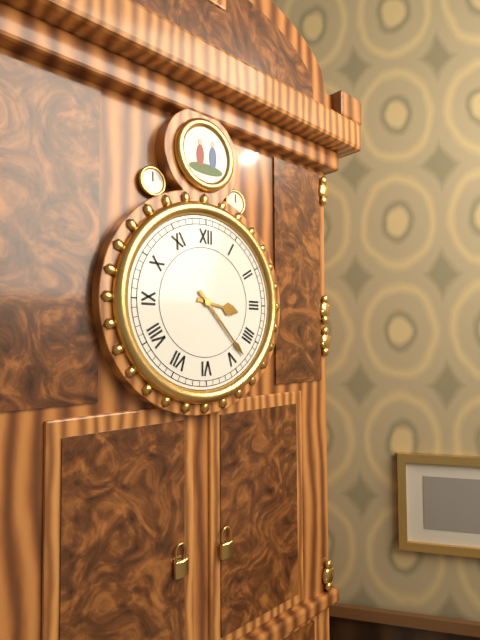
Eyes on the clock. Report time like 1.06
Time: 3.23
